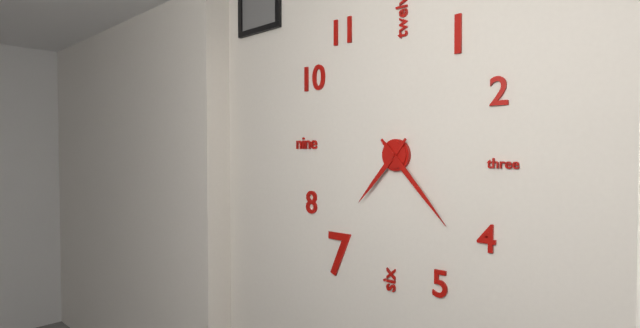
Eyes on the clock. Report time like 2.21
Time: 7.23
